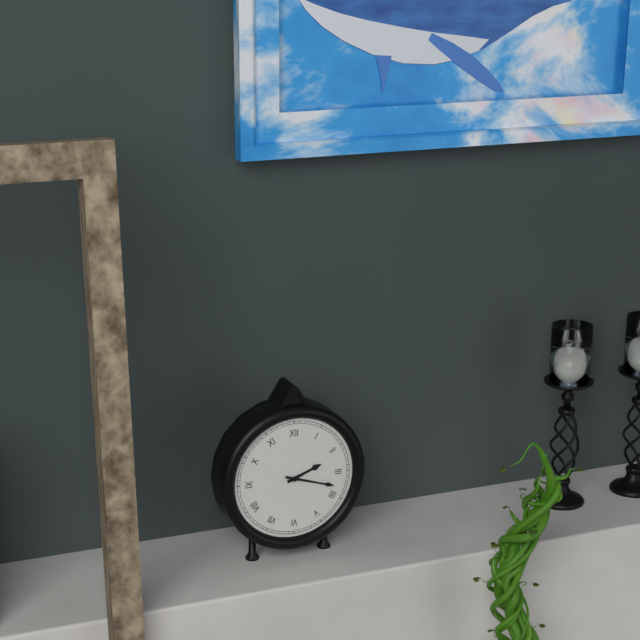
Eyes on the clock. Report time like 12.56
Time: 2.18
